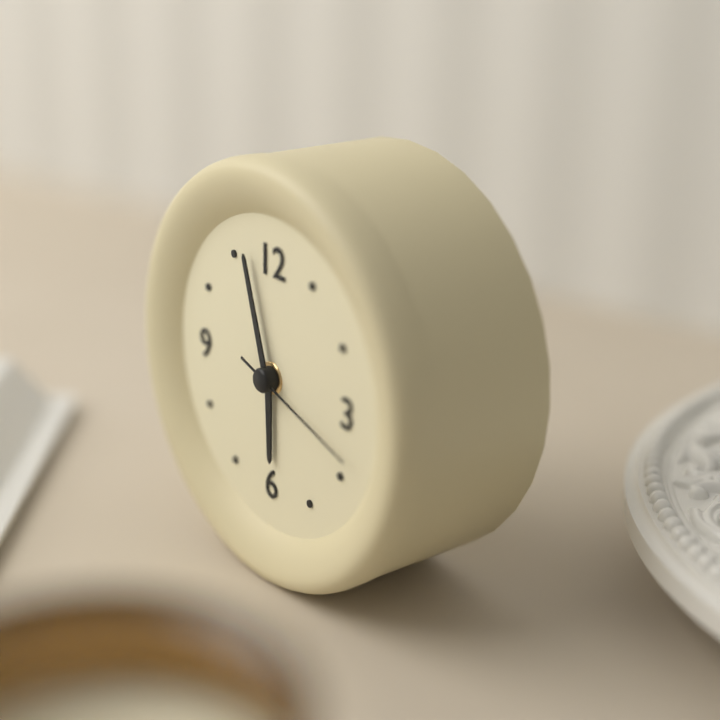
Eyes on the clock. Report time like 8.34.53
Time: 5.57.18
